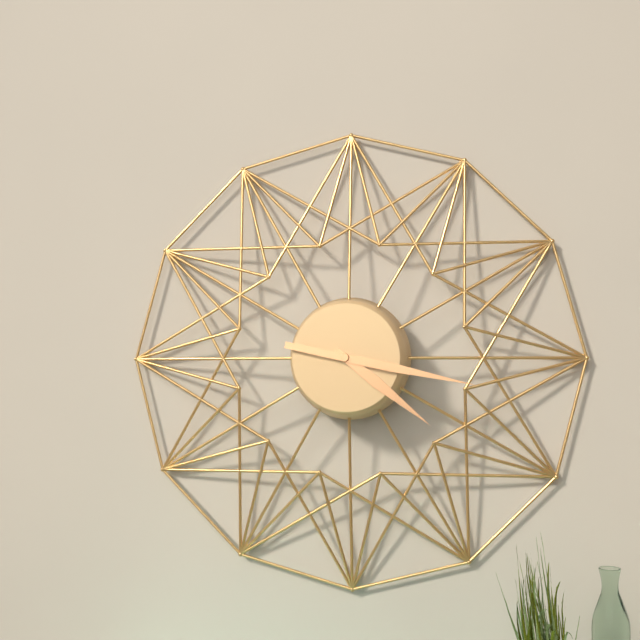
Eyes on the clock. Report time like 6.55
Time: 4.17
